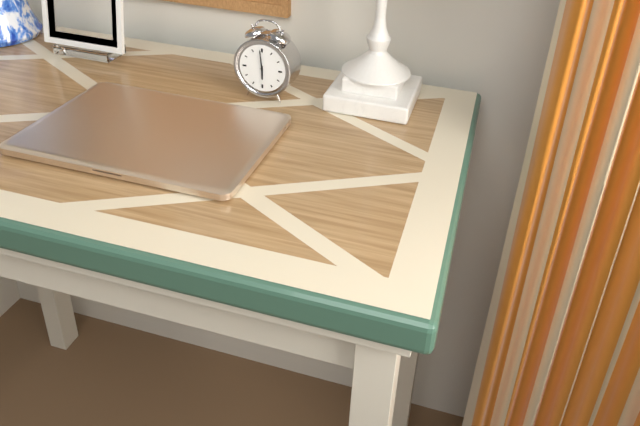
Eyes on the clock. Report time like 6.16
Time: 5.59
